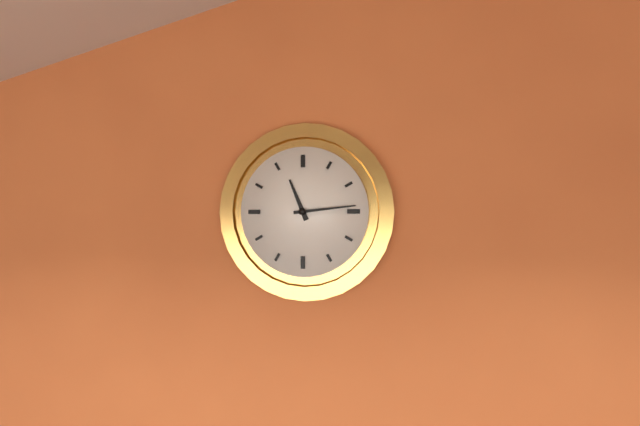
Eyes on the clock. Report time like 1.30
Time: 11.14
